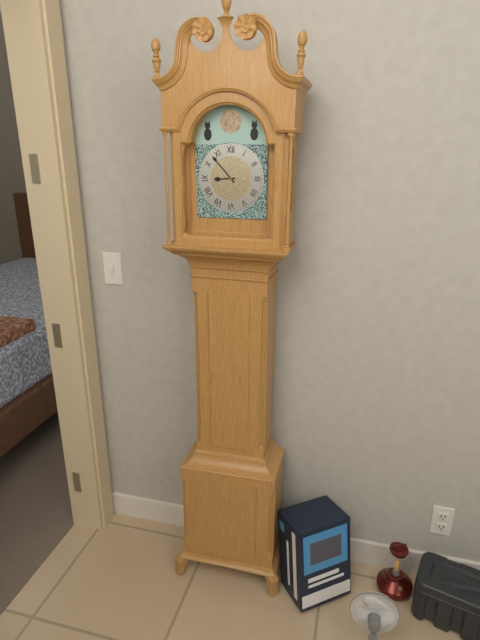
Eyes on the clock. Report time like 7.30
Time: 8.53
